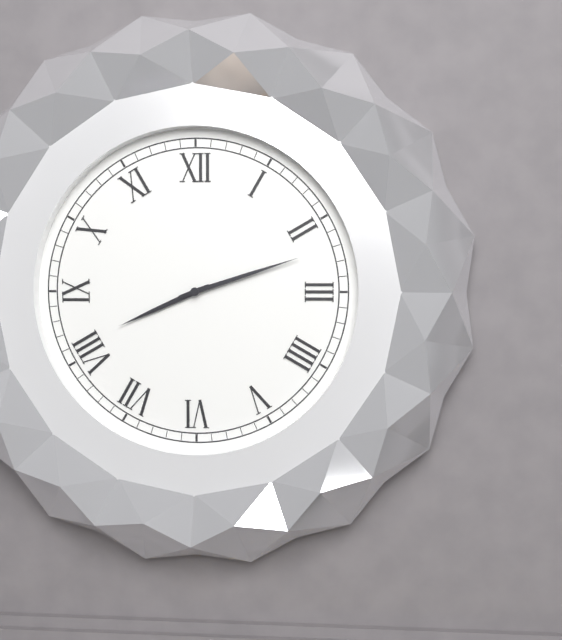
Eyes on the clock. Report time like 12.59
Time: 8.12
